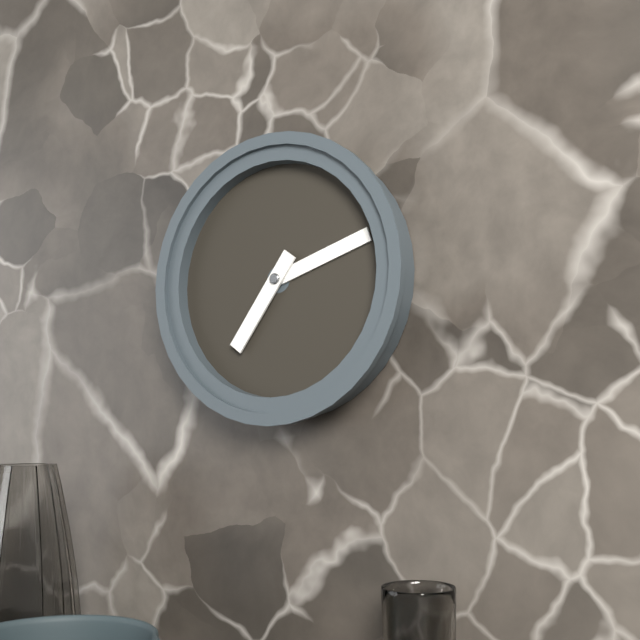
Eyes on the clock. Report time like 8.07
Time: 7.12
